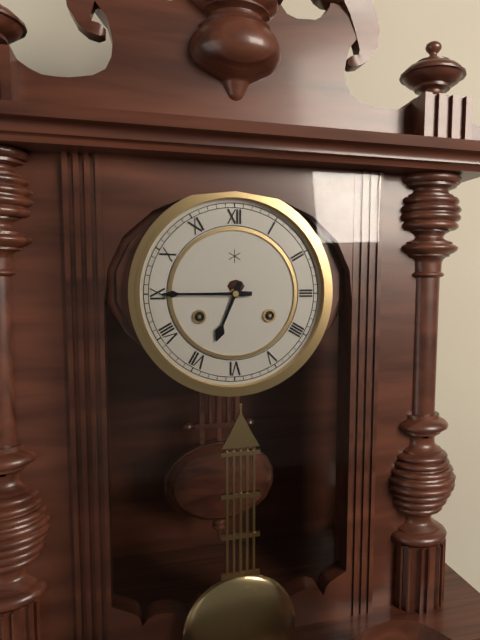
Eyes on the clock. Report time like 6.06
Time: 6.45
